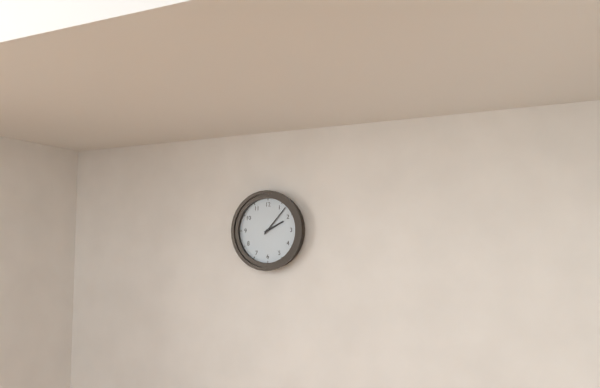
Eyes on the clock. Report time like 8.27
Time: 2.07
